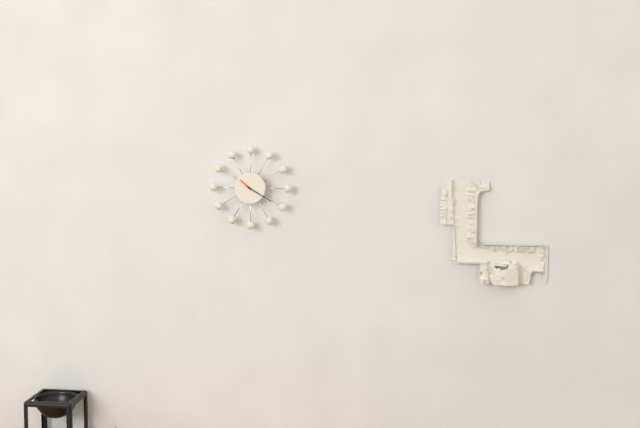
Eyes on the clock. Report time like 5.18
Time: 10.20
